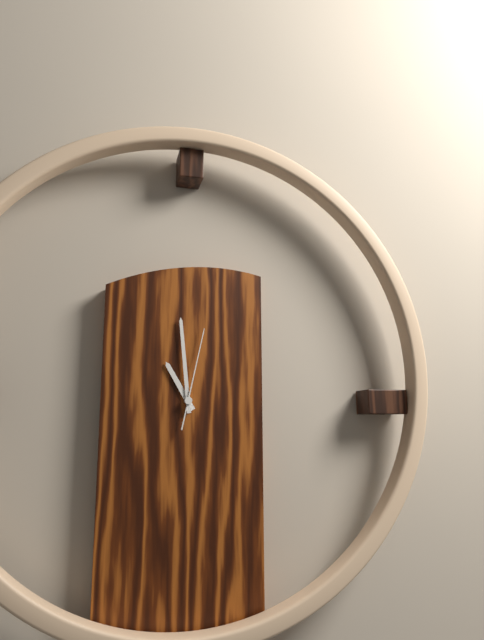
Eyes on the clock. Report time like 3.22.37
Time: 10.59.02
